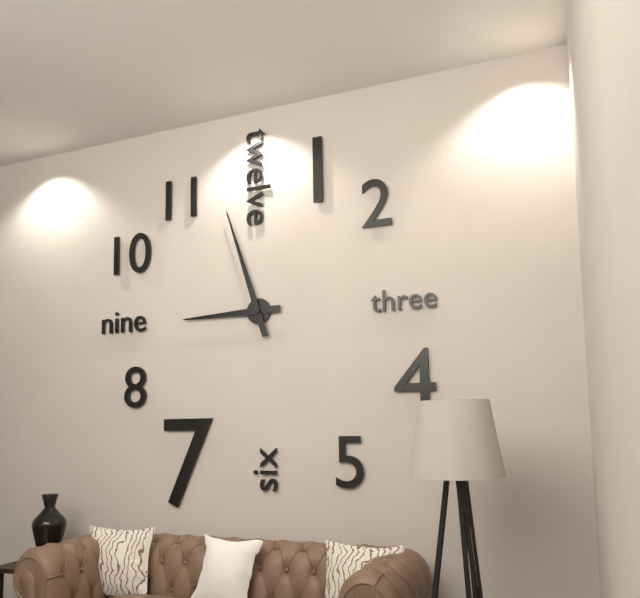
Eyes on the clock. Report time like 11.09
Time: 8.57
